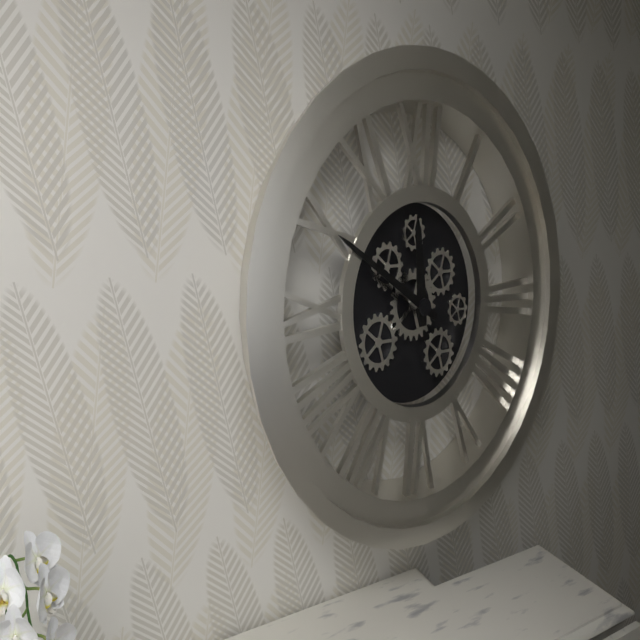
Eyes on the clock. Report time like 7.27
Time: 11.50
